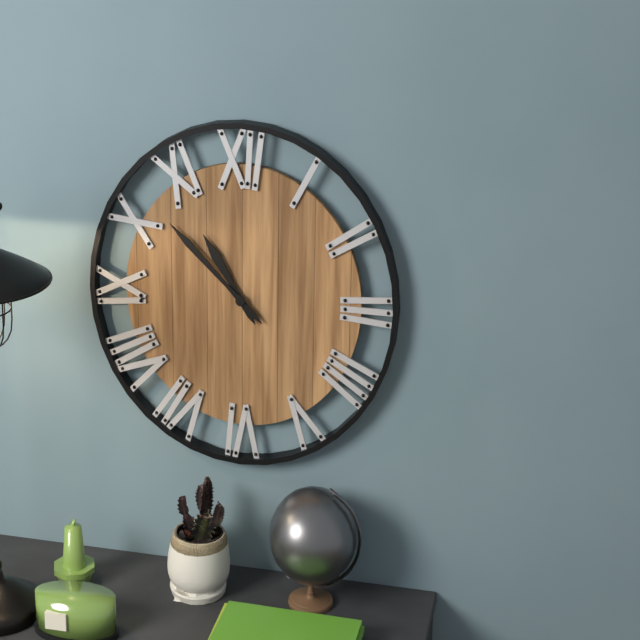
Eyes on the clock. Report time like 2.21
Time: 10.52
